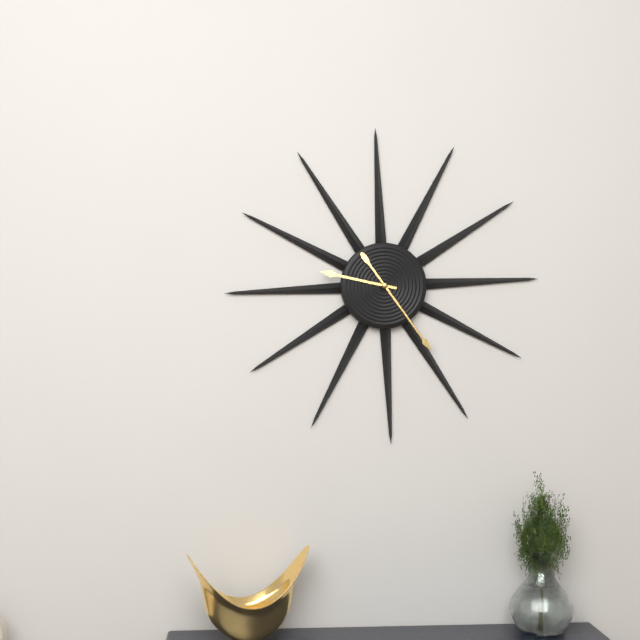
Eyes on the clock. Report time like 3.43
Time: 9.24
